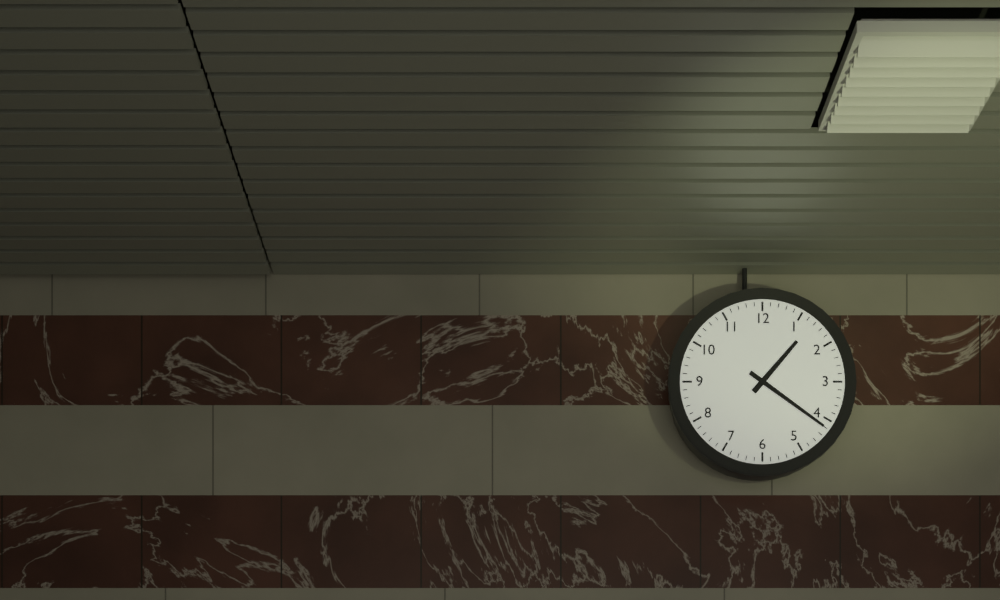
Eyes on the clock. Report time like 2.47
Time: 1.21
